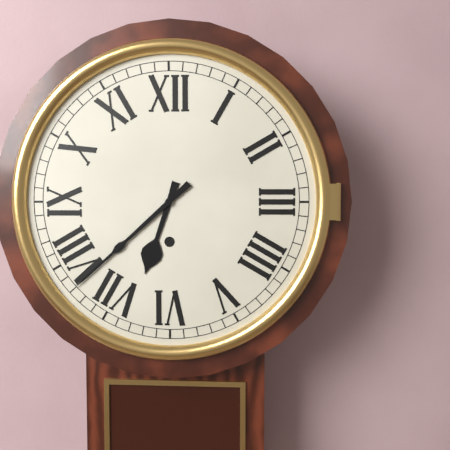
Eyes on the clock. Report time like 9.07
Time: 6.38
